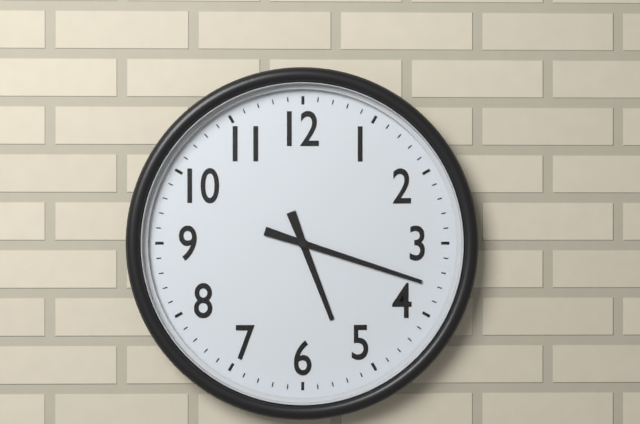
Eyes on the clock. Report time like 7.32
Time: 5.18
